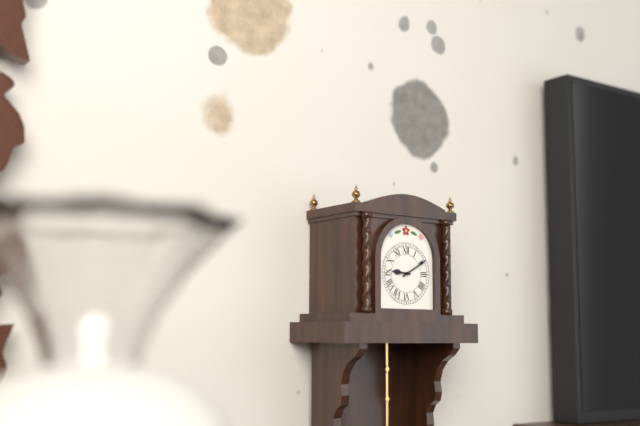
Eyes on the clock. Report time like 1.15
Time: 9.10
